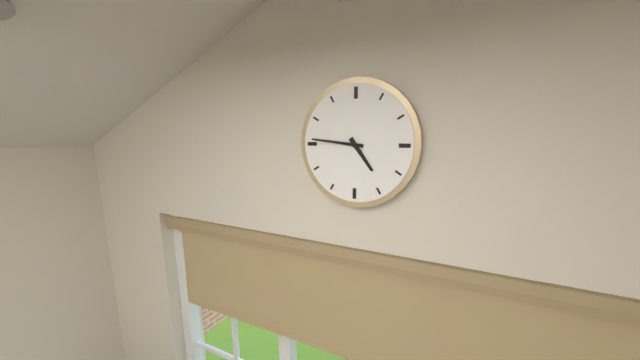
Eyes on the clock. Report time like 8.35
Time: 4.46
